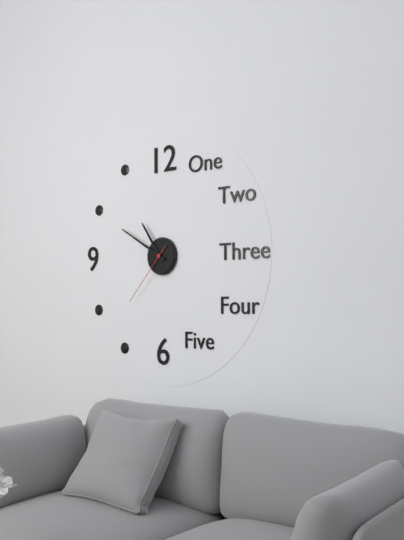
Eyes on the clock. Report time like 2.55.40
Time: 10.50.37
